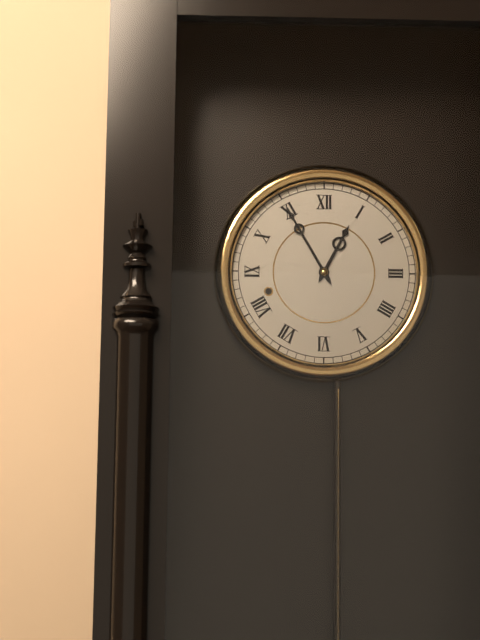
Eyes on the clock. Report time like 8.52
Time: 12.55
